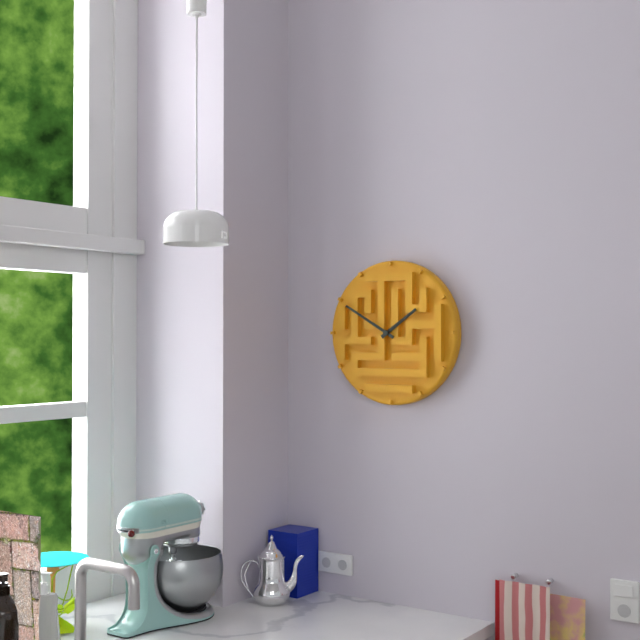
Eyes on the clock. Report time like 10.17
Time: 1.50
